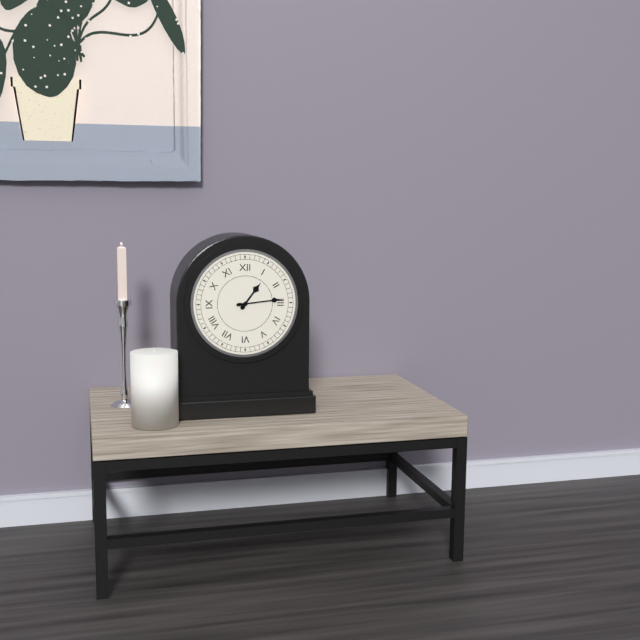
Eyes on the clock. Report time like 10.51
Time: 1.14
